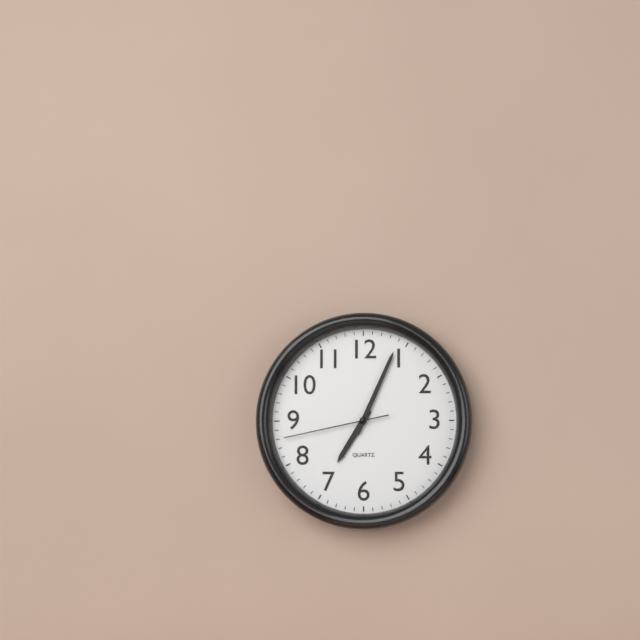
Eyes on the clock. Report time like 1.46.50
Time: 7.04.43
